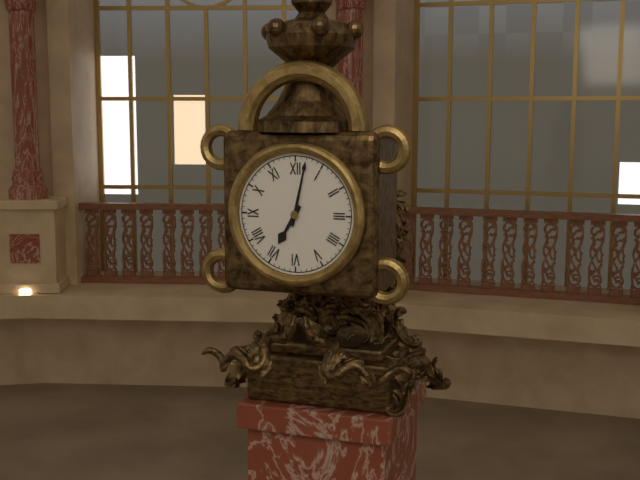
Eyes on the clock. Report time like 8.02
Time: 7.02
